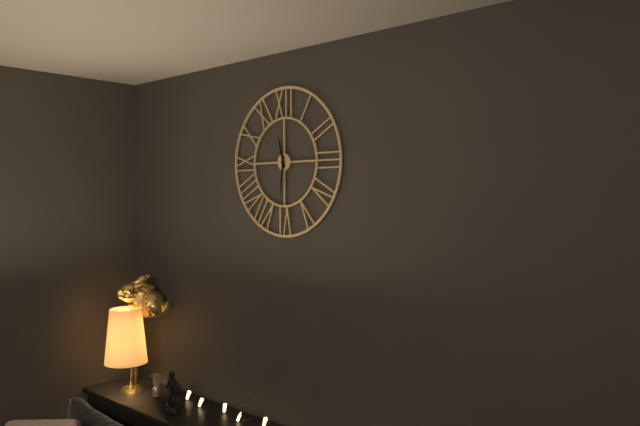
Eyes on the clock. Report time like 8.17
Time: 11.31
